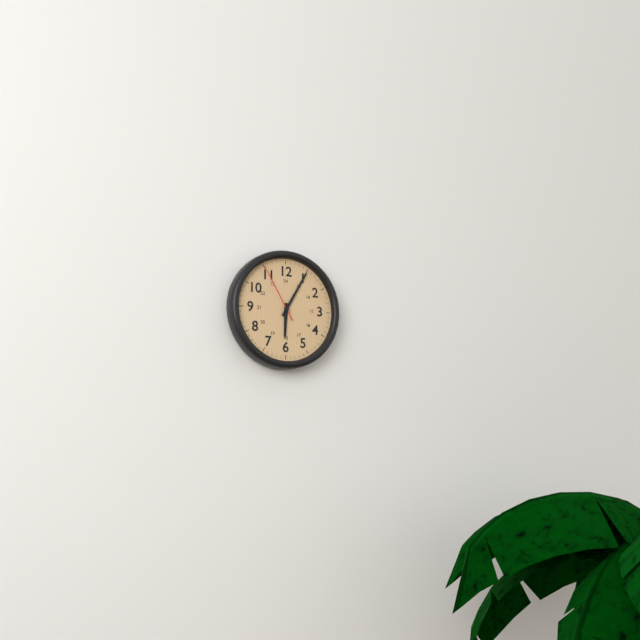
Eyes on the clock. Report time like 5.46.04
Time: 6.05.55
